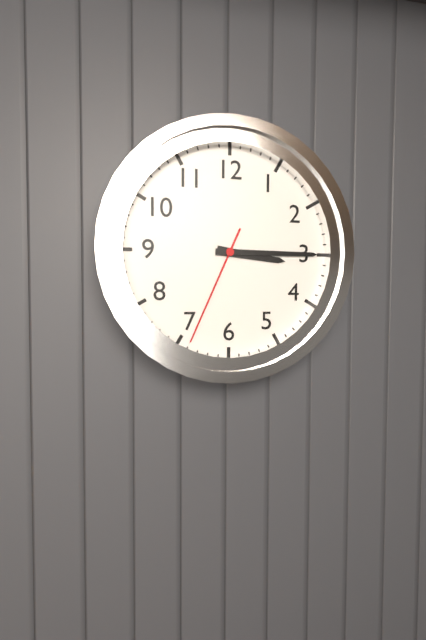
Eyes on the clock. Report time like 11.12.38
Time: 3.15.34
